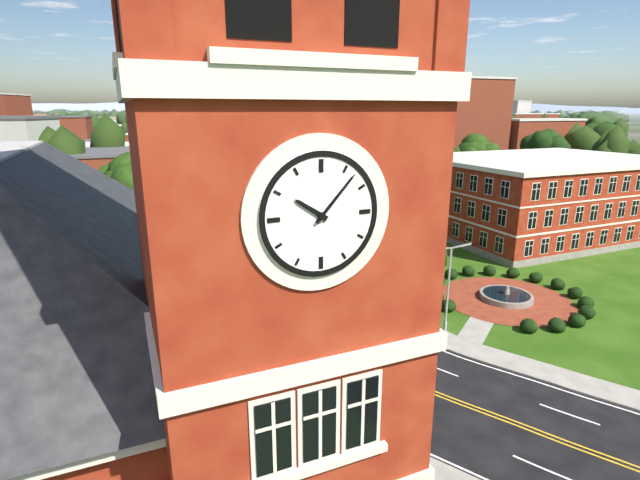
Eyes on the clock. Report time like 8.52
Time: 10.07
